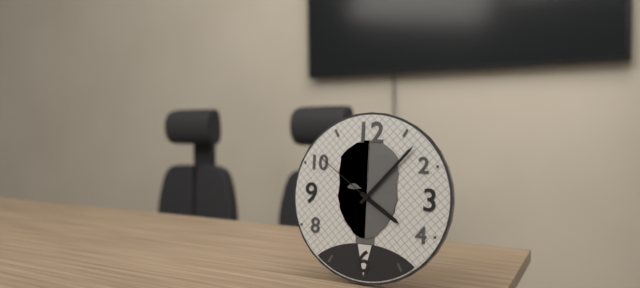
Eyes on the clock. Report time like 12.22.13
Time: 4.07.51
